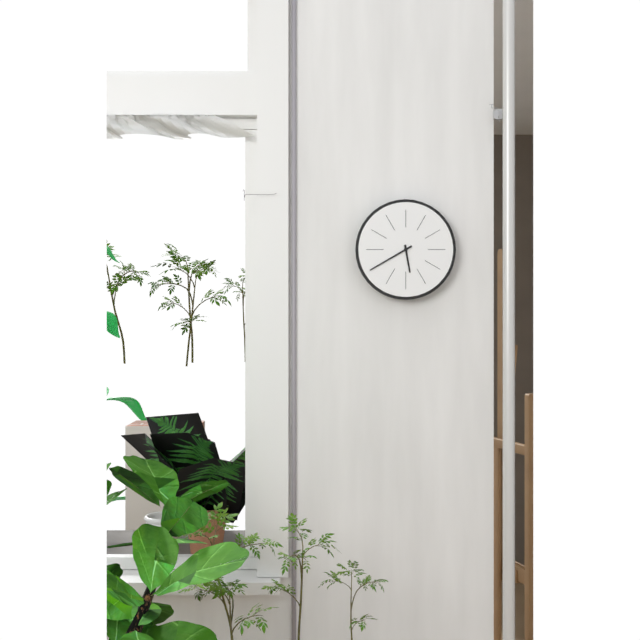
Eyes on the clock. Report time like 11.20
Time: 5.40
